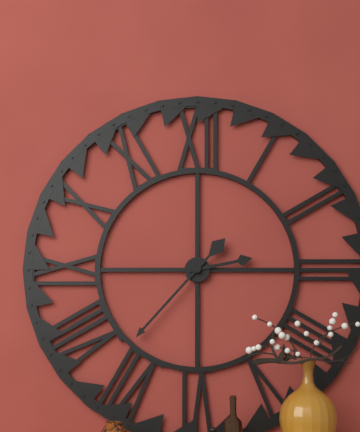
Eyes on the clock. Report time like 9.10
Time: 2.37
